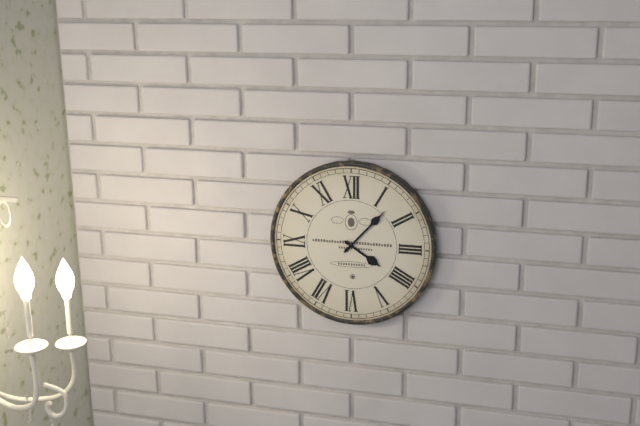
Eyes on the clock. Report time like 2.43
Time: 4.07
